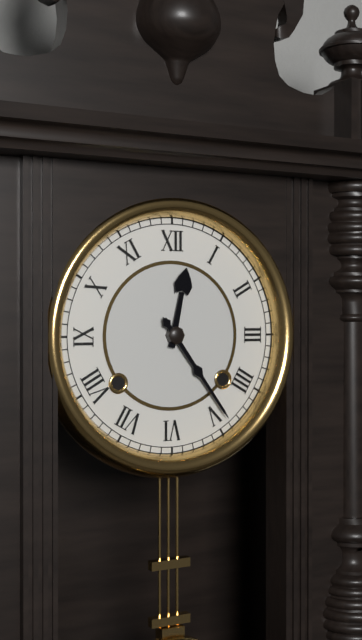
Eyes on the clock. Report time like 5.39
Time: 12.24
